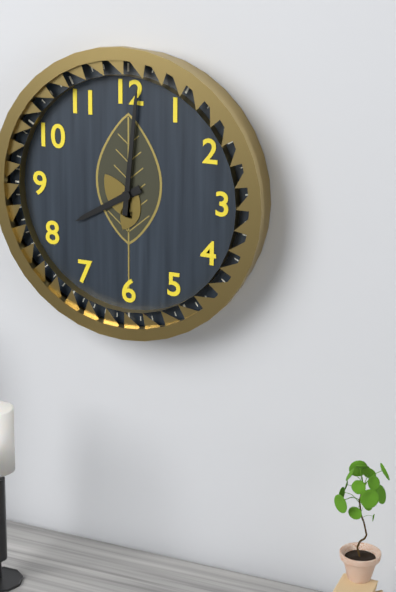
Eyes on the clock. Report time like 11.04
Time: 8.01
